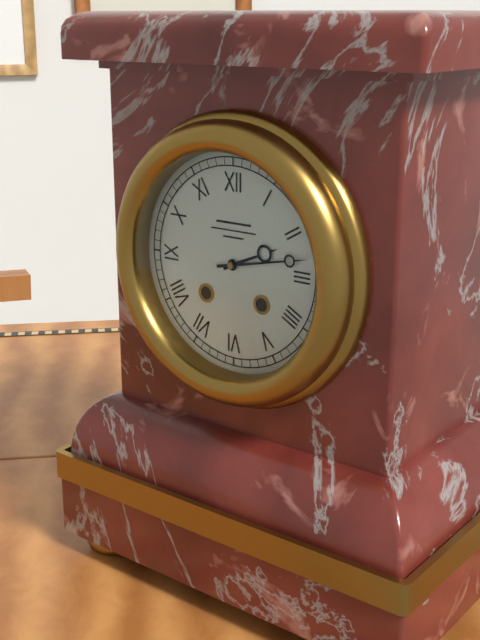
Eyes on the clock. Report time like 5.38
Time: 2.13
